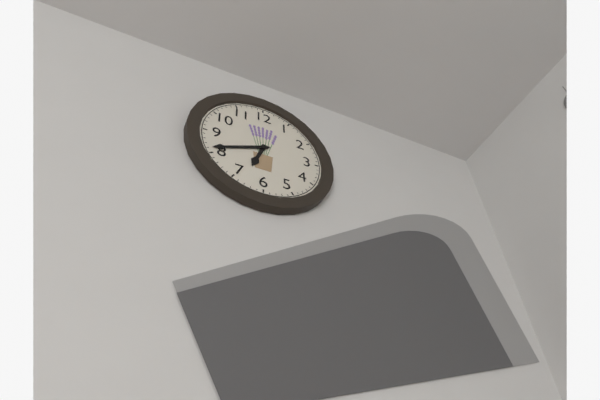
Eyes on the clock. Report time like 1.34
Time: 6.41
